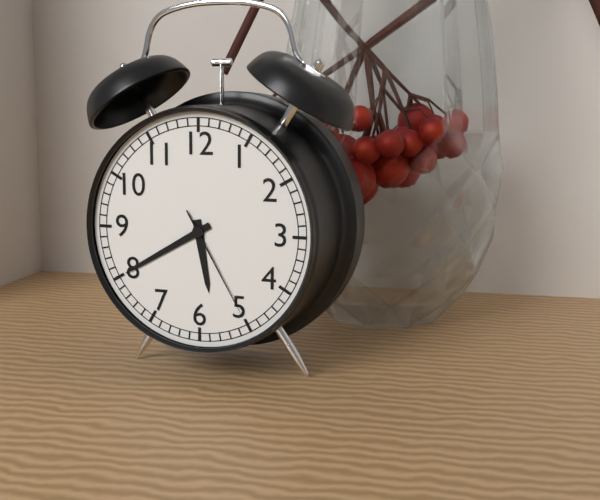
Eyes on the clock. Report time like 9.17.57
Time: 5.40.25
